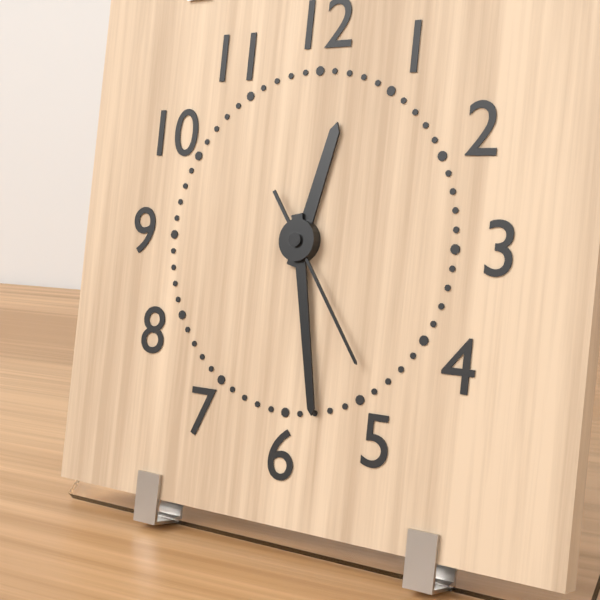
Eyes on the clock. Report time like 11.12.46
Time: 12.28.24
